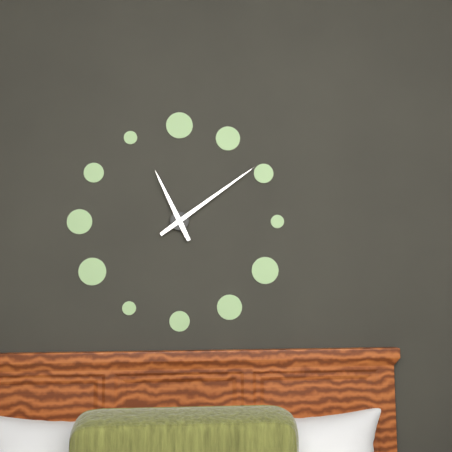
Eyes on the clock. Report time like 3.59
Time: 11.09
